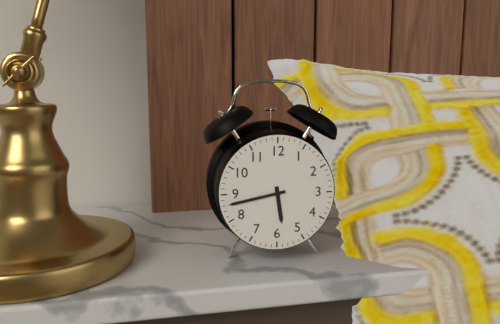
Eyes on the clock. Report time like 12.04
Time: 5.43
